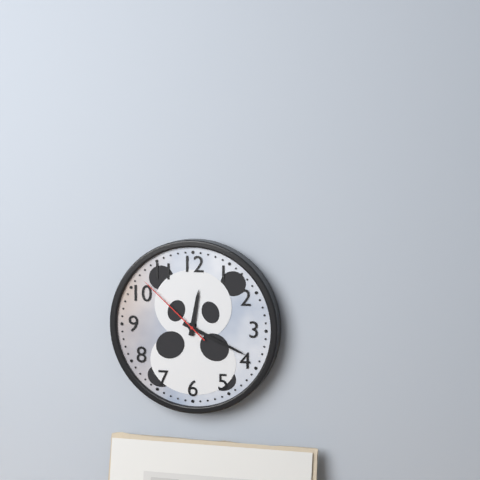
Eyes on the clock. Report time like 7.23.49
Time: 12.19.52
